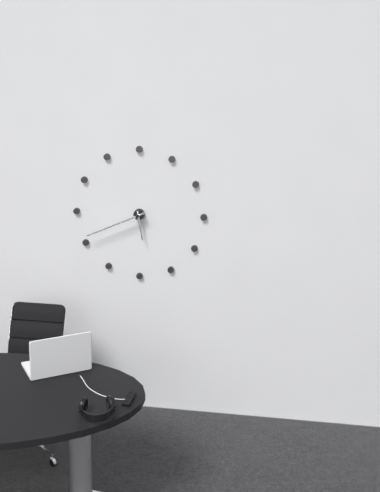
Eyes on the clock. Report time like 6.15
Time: 5.41
